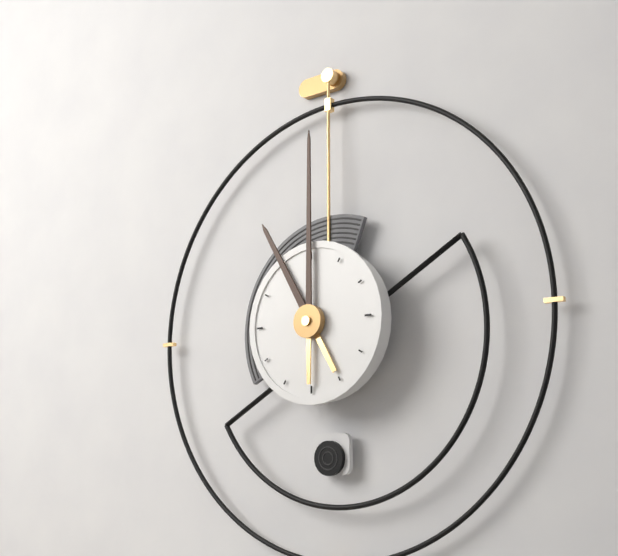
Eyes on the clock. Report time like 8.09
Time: 11.00
